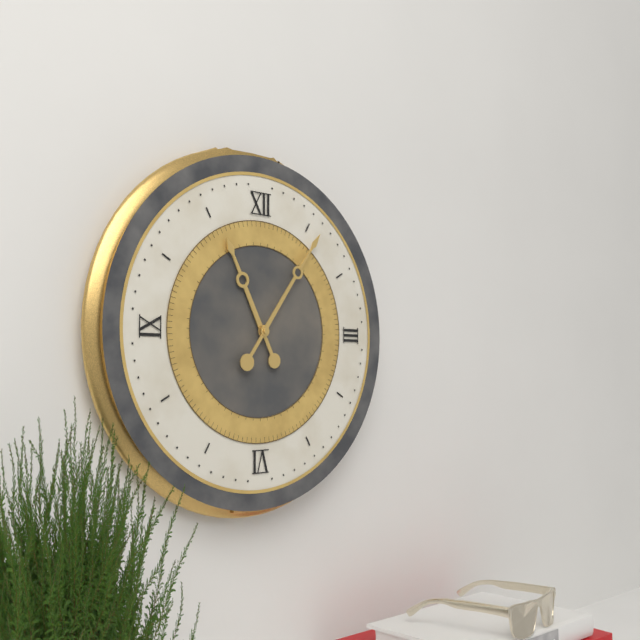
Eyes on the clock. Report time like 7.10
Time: 11.06
